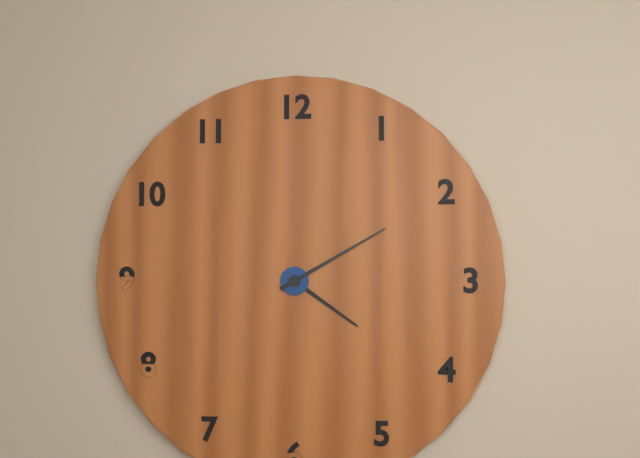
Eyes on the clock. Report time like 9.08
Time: 4.10
